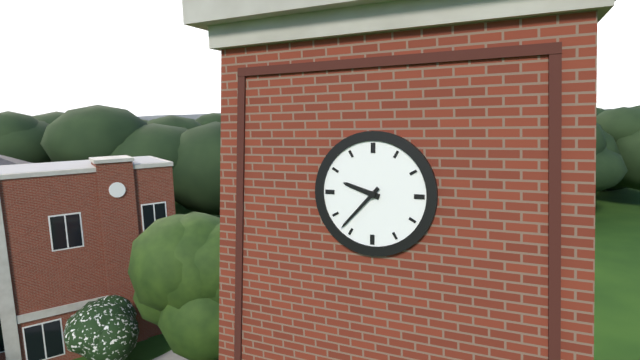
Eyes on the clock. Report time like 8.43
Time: 9.37
